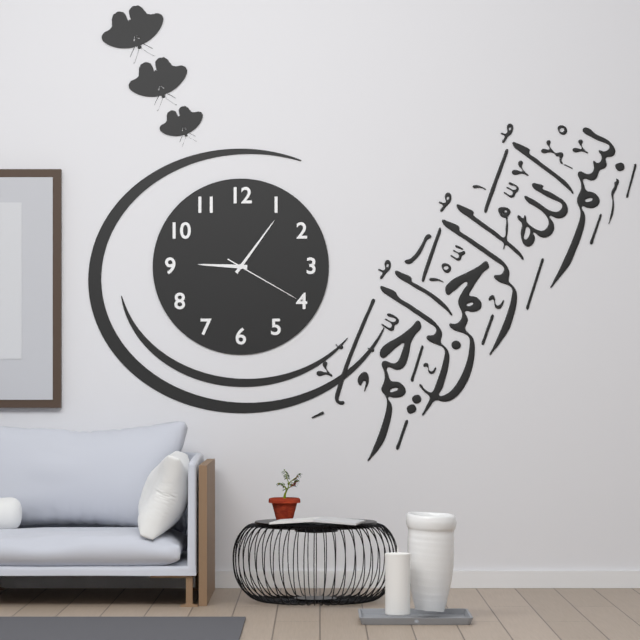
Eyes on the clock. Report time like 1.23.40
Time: 9.06.20
